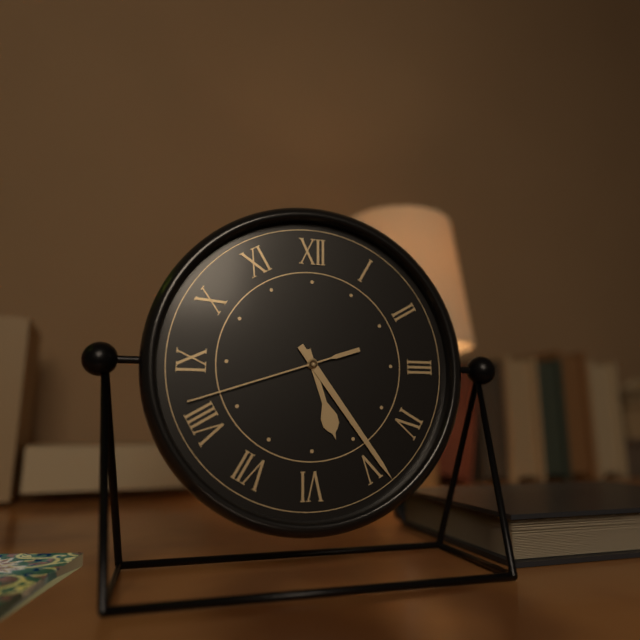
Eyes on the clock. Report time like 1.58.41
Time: 5.24.42
